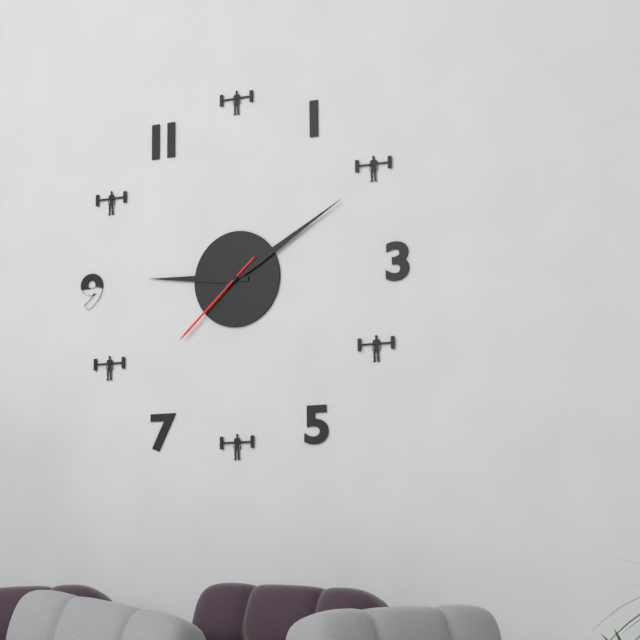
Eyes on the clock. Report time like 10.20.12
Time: 9.10.38
